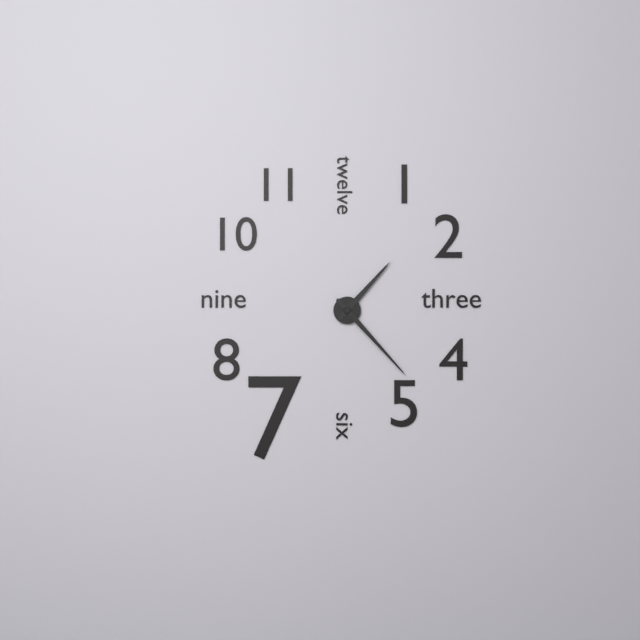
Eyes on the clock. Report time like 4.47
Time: 1.23
